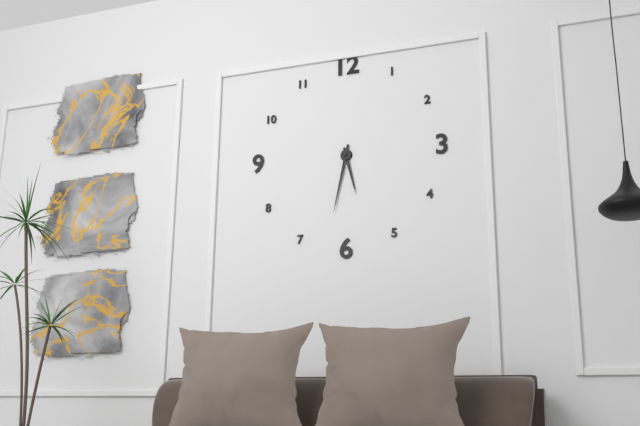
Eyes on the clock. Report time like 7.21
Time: 5.32
